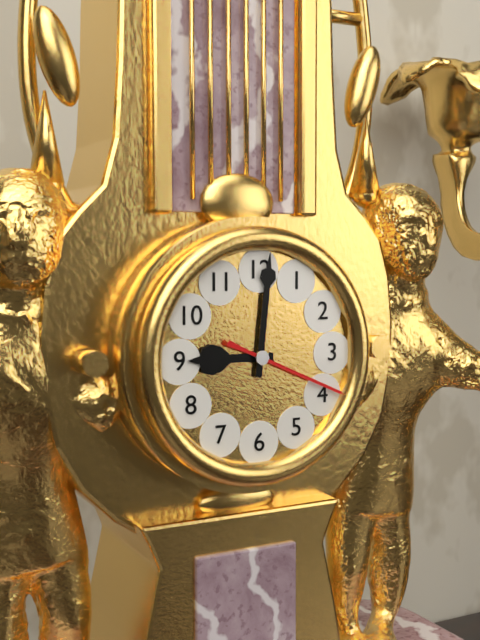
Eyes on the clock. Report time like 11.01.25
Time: 9.01.19
